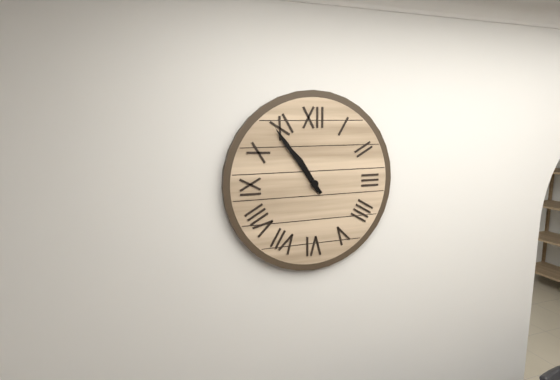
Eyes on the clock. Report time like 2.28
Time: 10.54
